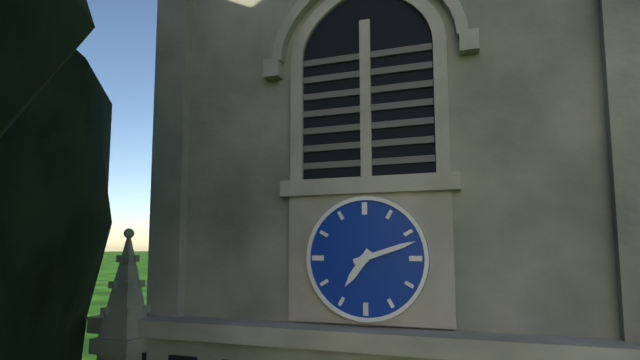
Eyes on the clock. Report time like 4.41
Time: 7.12
